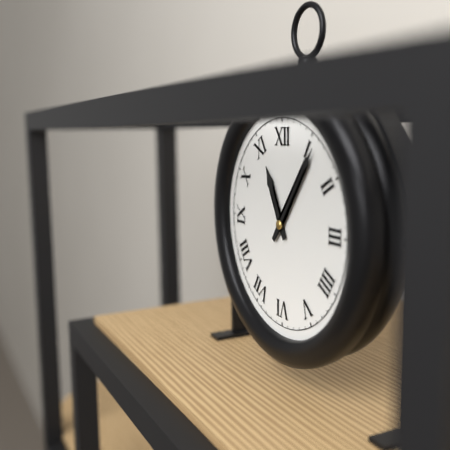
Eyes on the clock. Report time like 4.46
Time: 11.06
